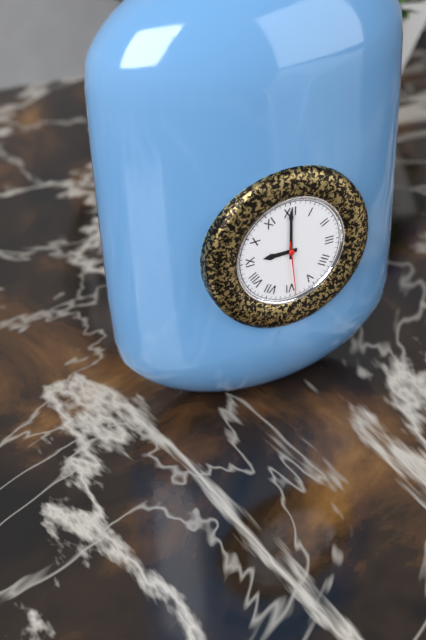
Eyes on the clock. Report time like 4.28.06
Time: 9.00.29
